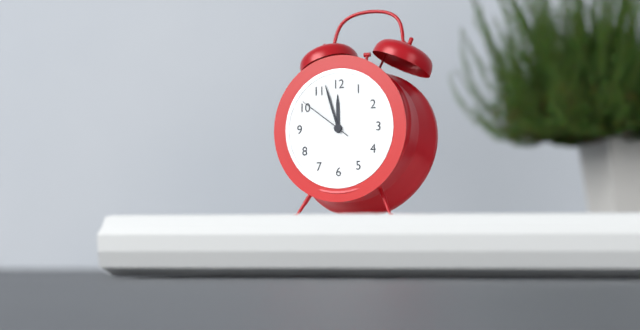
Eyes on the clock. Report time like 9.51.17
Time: 11.57.51
